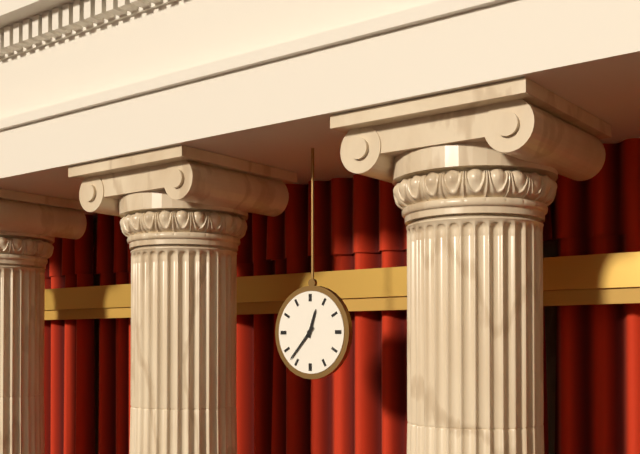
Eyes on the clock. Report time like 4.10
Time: 12.37
